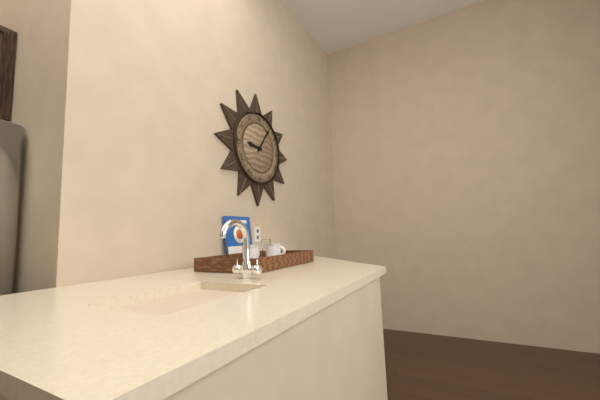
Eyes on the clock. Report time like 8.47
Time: 9.06
